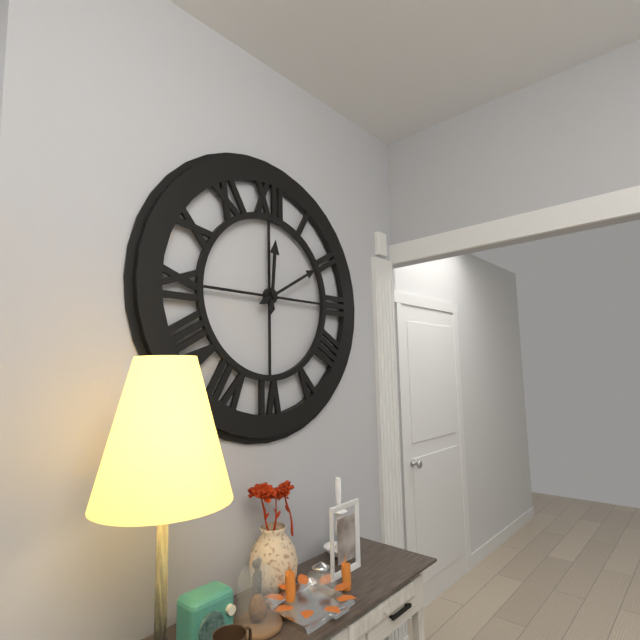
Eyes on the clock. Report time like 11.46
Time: 12.10
